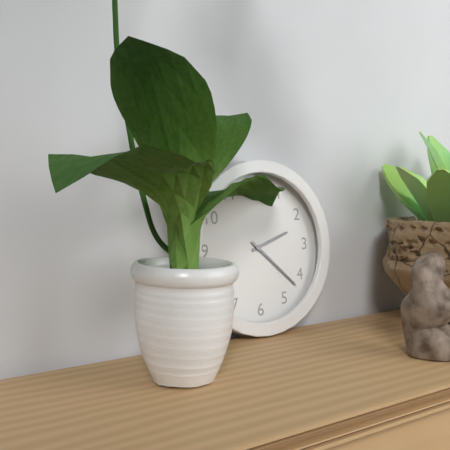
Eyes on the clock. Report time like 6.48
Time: 2.22
